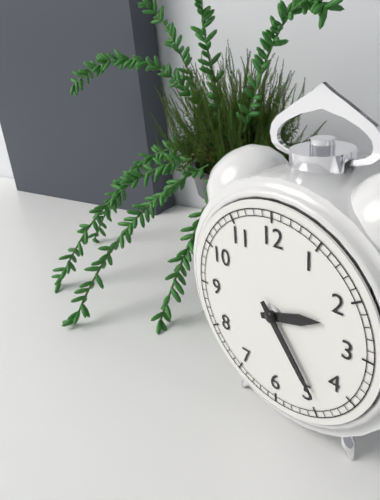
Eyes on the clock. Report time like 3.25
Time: 2.24
